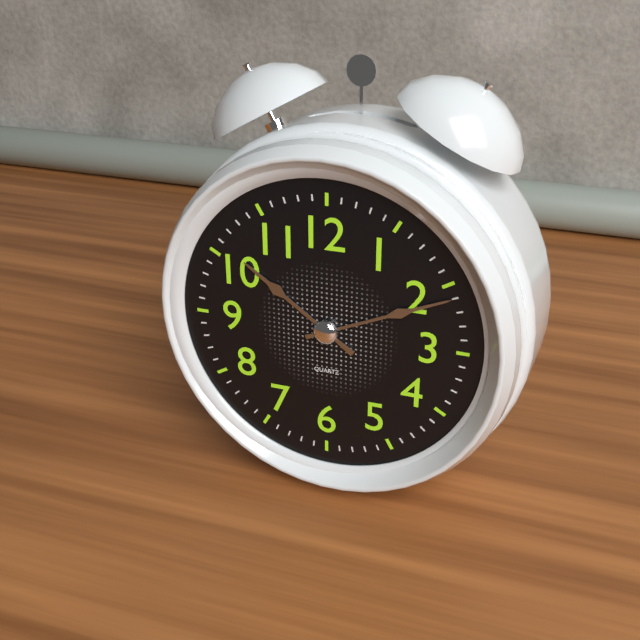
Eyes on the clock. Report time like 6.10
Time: 10.11
